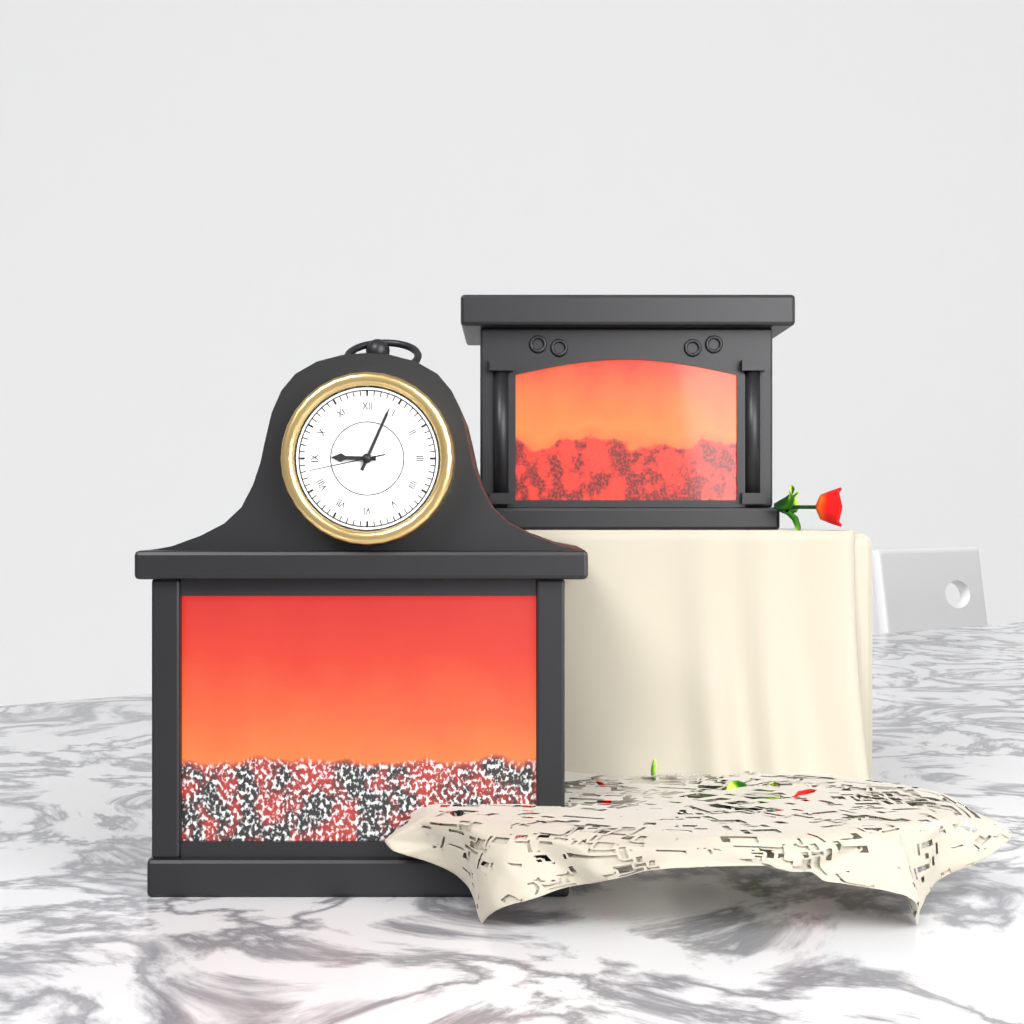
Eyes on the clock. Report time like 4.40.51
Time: 9.04.43
